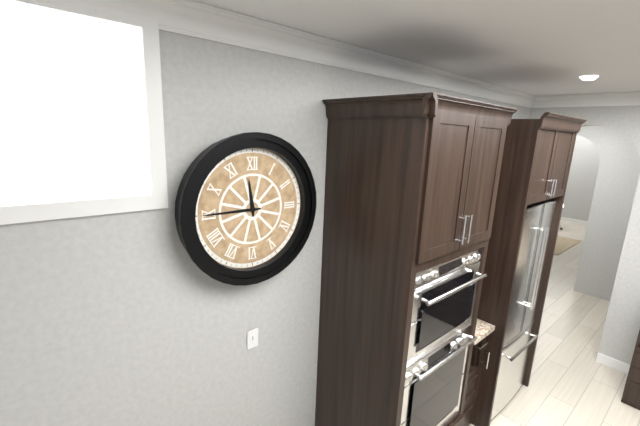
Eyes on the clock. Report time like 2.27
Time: 11.45
